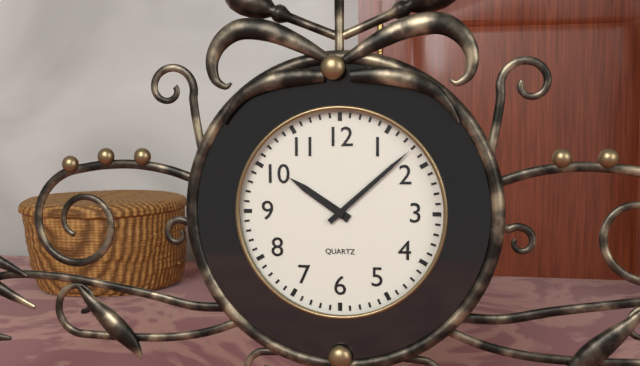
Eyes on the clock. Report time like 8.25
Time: 10.08
